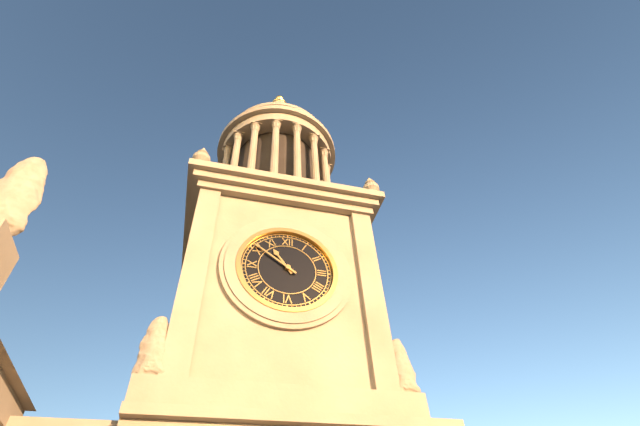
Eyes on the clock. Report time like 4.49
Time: 10.51
